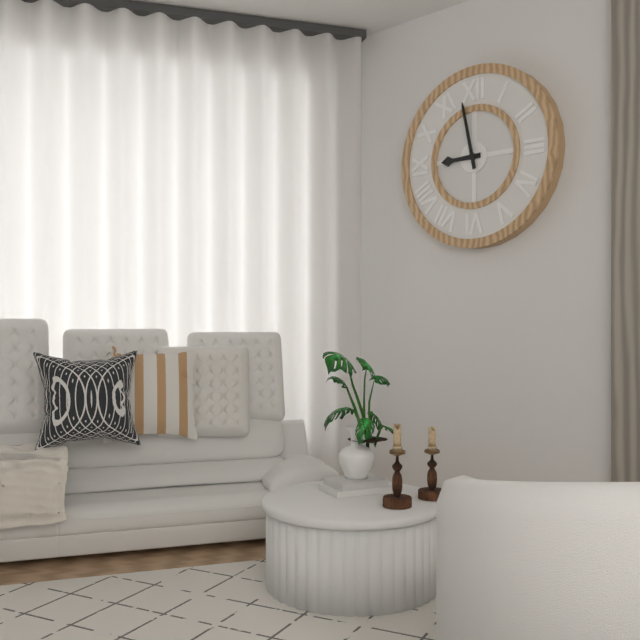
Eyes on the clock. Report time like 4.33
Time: 8.58
